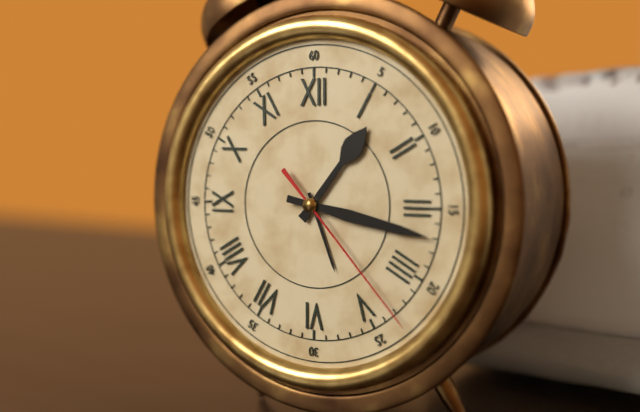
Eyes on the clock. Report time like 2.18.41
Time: 1.17.23
